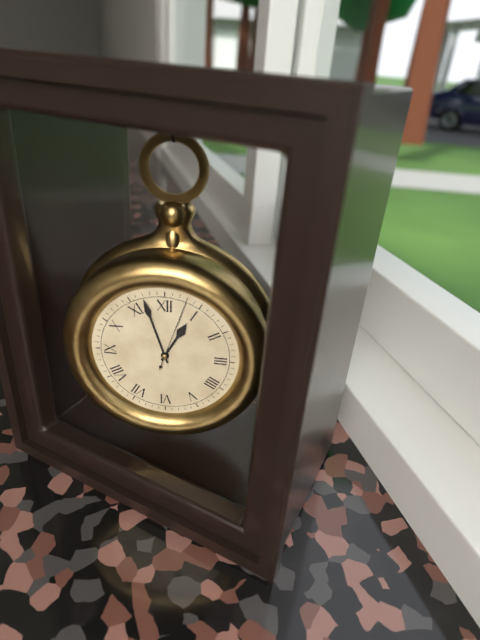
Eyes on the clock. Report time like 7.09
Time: 12.57
